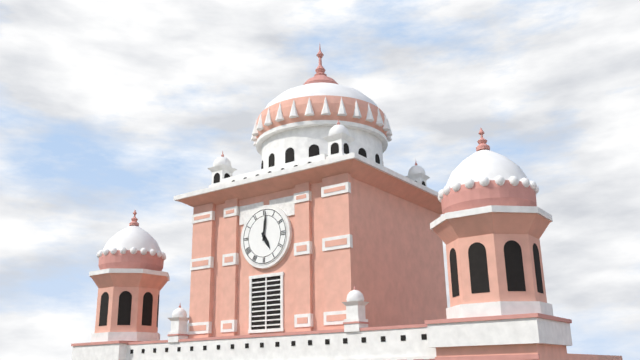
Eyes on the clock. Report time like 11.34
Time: 5.01
